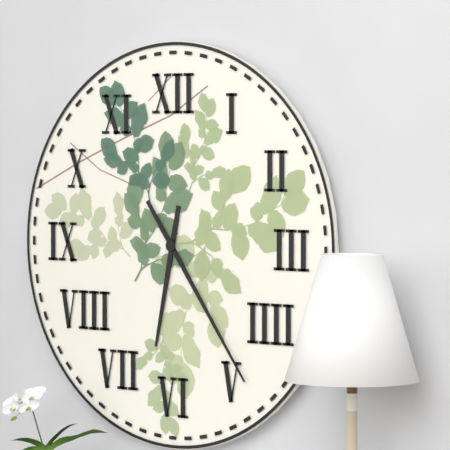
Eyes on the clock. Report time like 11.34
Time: 6.24
